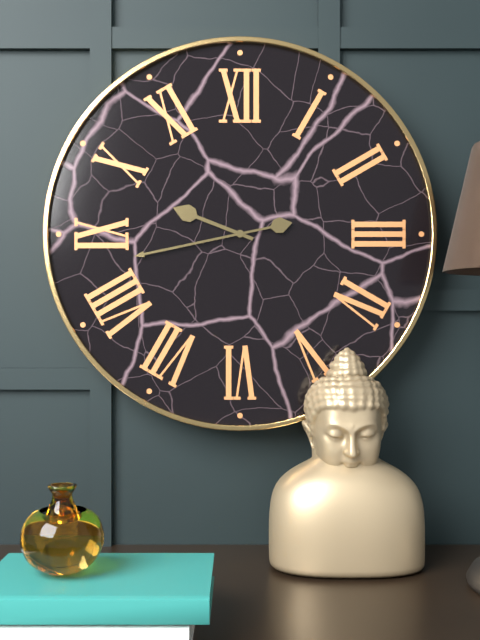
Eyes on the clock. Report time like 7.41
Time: 9.43
